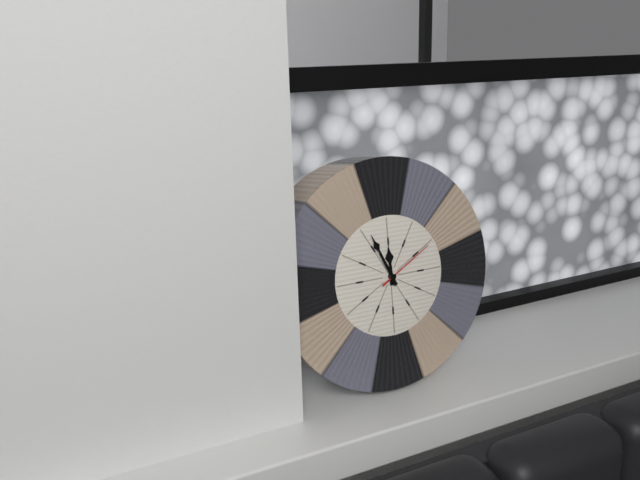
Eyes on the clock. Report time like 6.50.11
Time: 11.56.10
